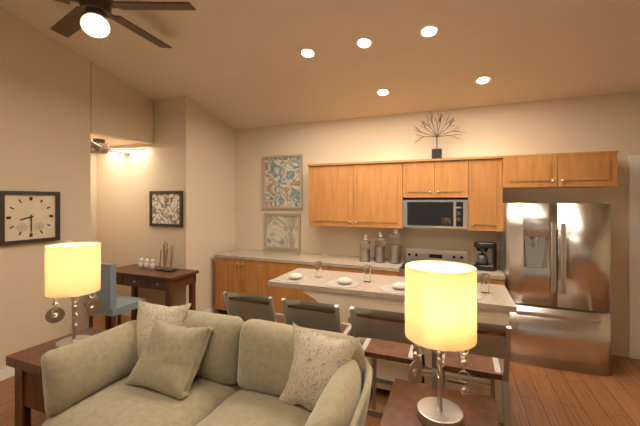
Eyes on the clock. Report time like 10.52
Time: 8.30
